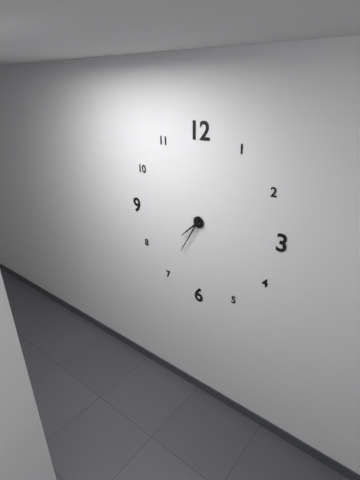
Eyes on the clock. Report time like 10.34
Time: 7.35
